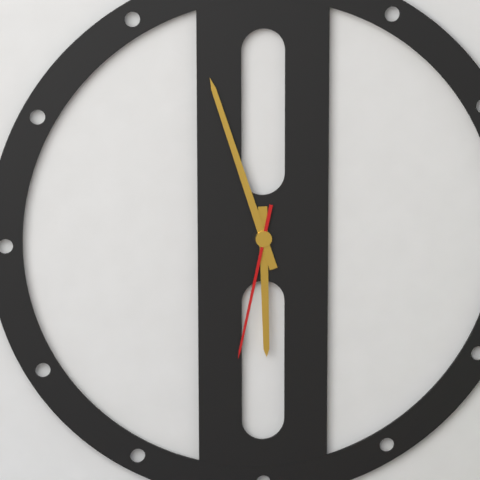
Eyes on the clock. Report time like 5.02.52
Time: 5.57.32
